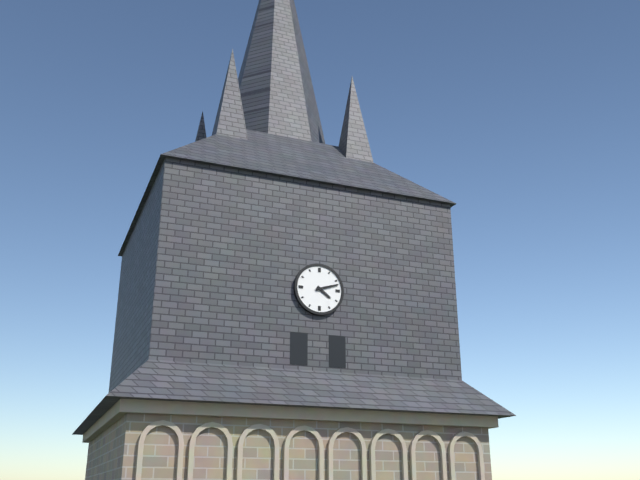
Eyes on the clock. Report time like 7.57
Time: 4.12
